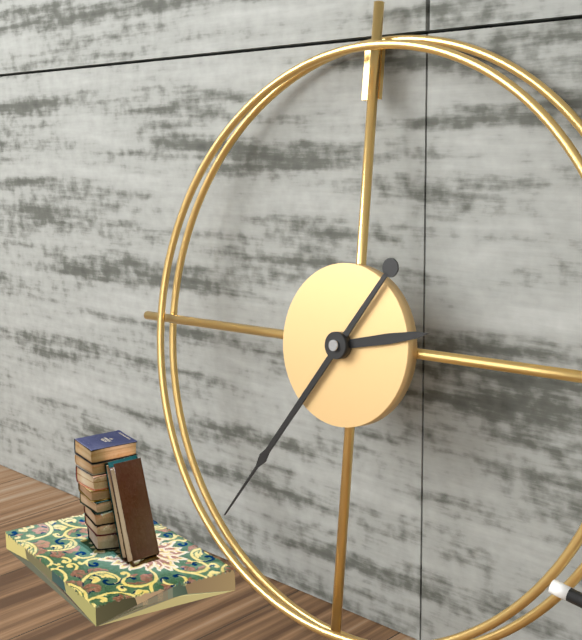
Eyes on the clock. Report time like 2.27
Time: 2.36
